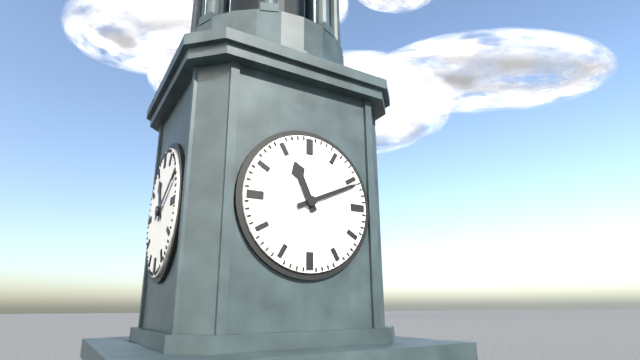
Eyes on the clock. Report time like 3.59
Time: 11.11
